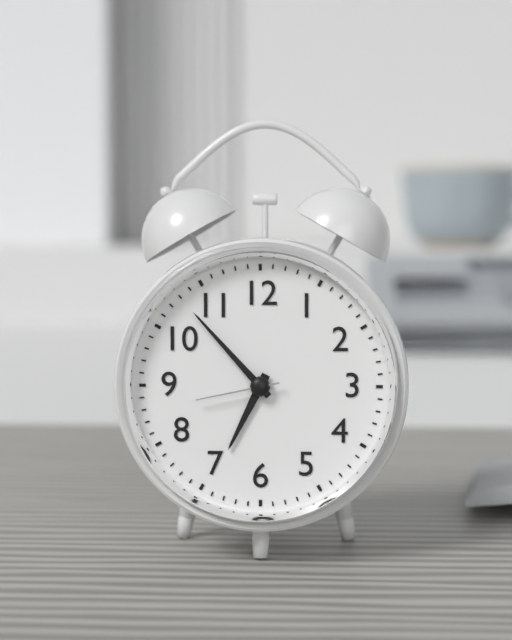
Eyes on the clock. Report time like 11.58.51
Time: 6.53.43
